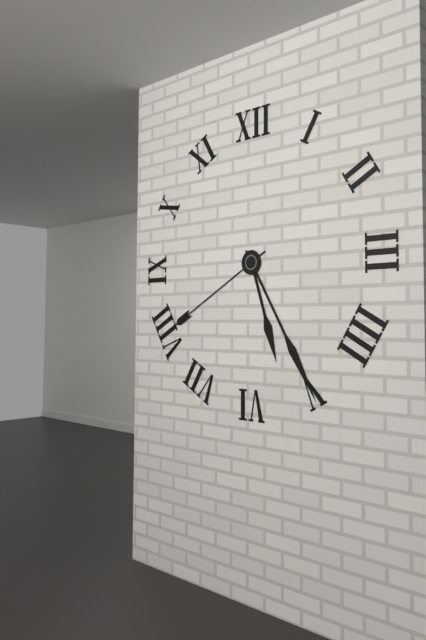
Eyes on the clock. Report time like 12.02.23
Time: 5.25.40
